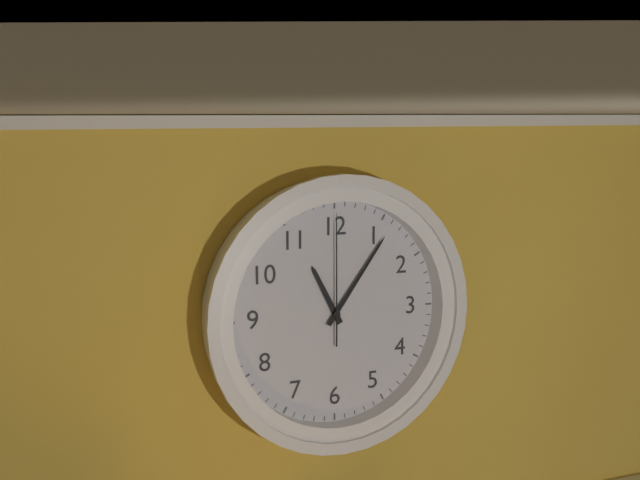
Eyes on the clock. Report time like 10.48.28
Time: 11.06.00
